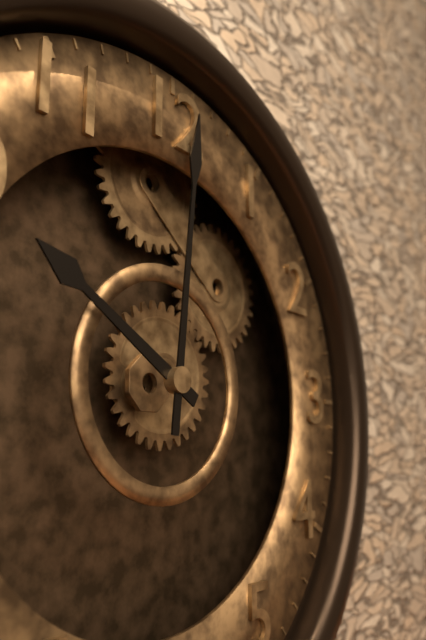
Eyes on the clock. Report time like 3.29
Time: 10.01
